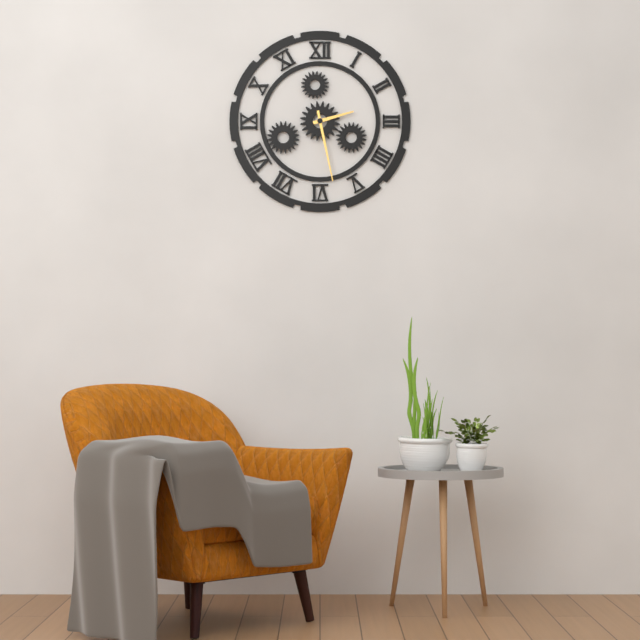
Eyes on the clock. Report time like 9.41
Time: 2.28
